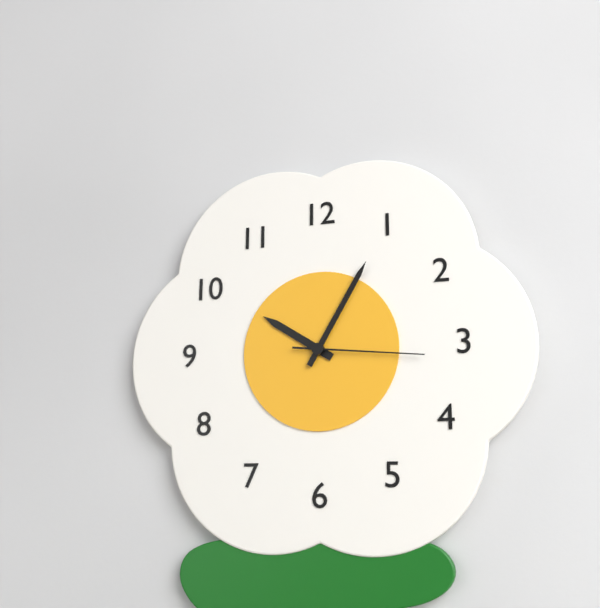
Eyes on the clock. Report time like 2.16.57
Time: 10.05.16
